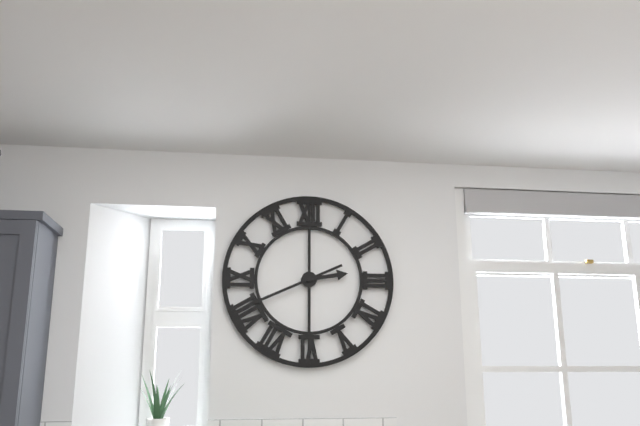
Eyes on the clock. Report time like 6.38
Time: 2.41
